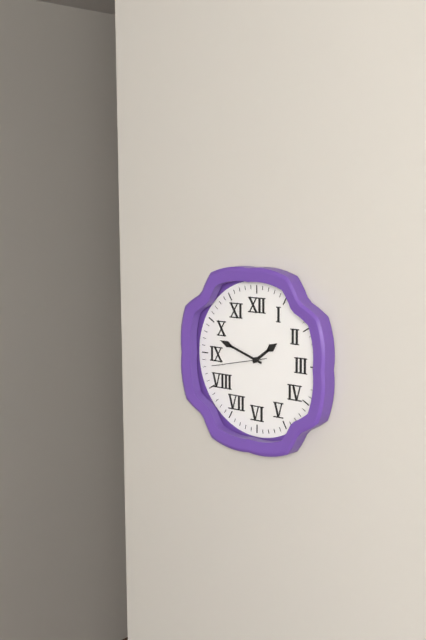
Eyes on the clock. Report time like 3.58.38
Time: 1.48.43
